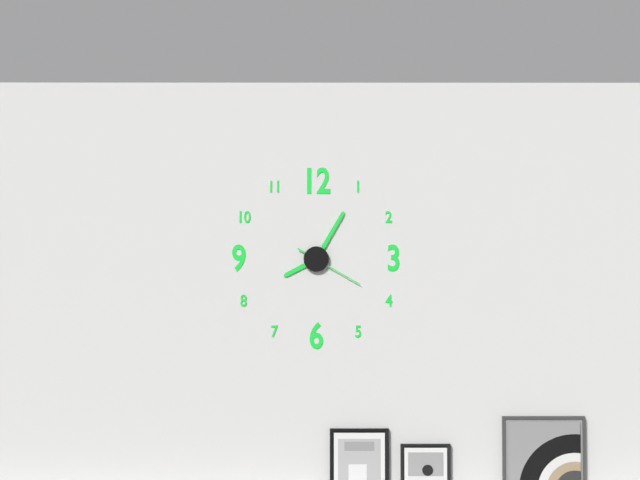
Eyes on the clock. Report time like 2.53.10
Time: 8.05.20
